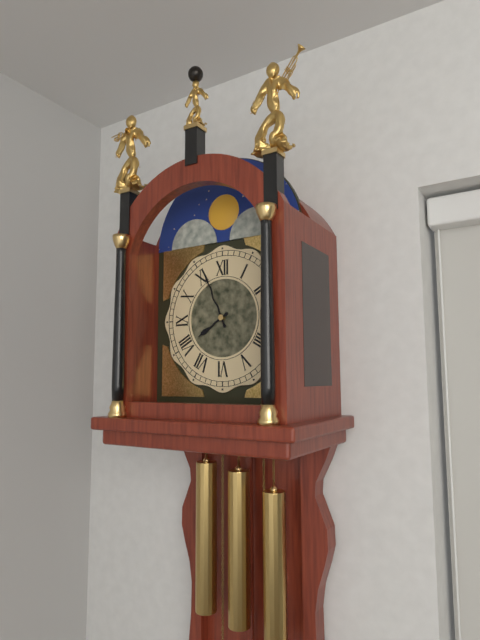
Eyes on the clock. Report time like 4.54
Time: 7.56
